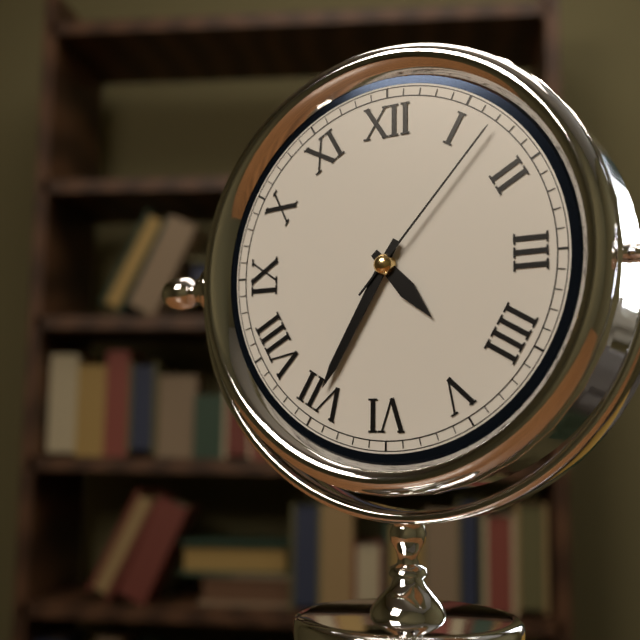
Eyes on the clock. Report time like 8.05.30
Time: 4.35.07
